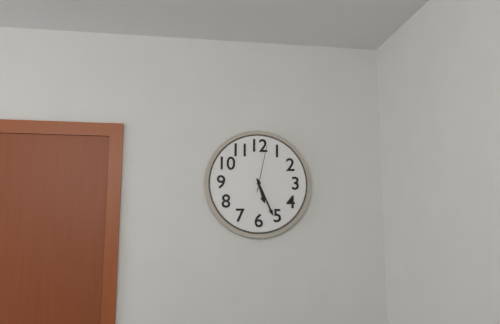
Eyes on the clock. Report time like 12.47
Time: 5.26
